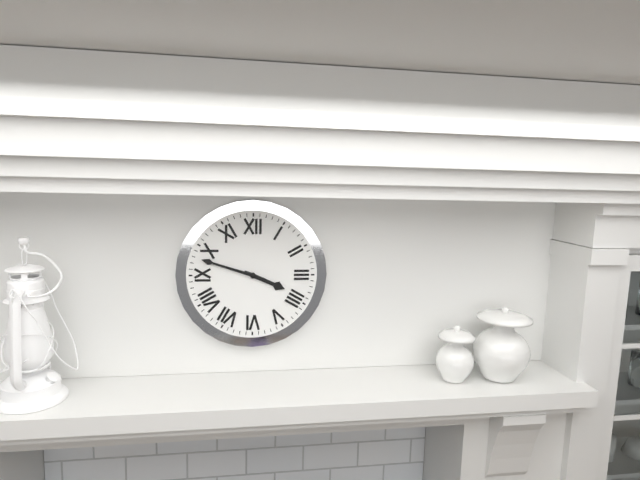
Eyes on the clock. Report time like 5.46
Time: 3.48
